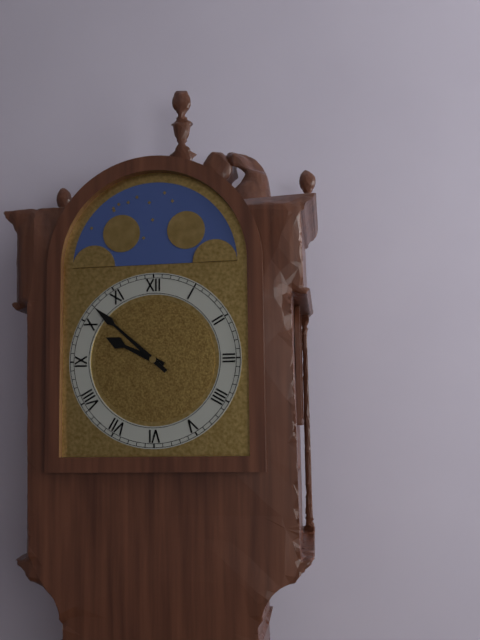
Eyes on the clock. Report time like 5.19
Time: 9.52
